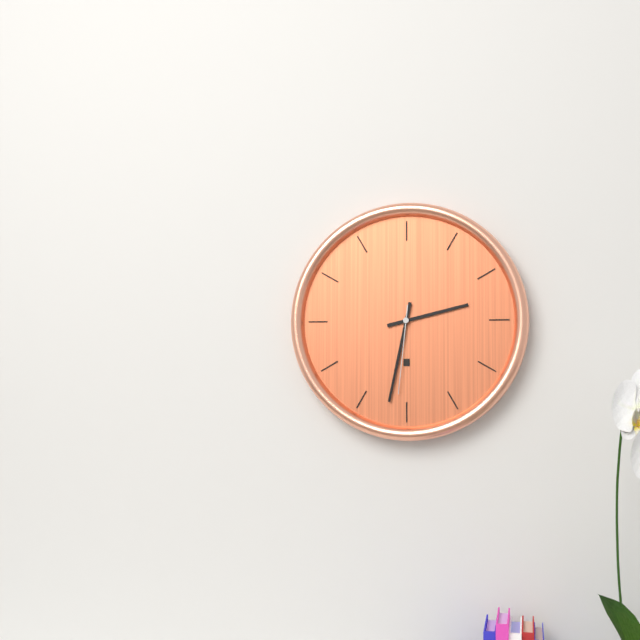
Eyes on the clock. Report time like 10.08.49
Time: 2.32.31
